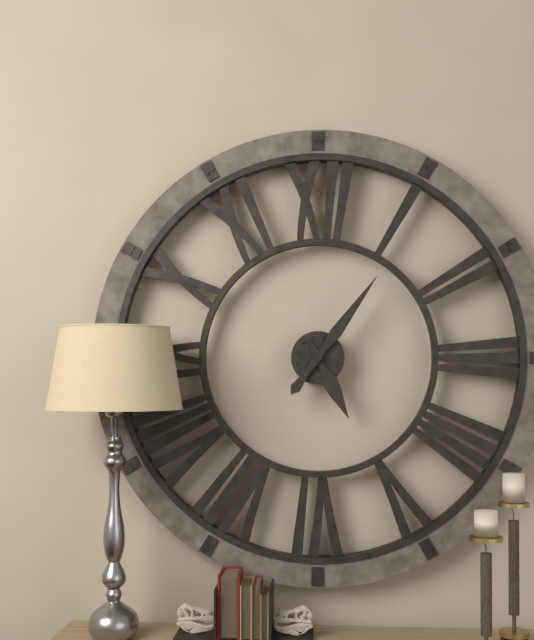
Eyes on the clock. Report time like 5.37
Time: 5.06
